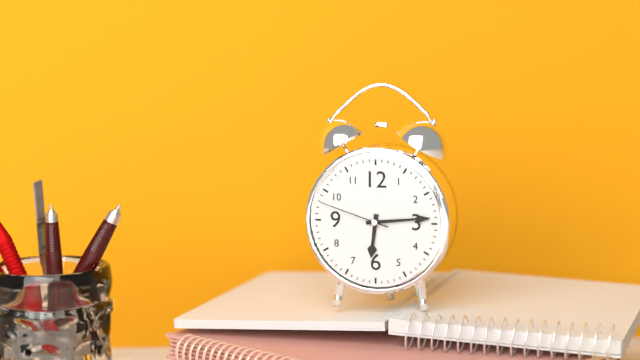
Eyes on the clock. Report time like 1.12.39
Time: 6.14.48
